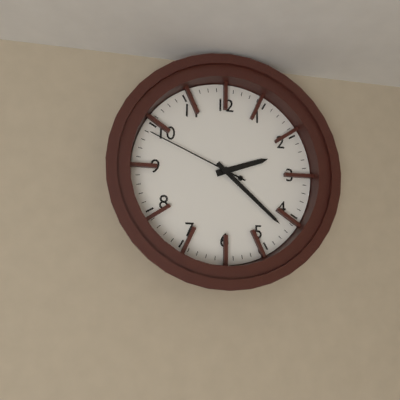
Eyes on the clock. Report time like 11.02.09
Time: 2.22.49
